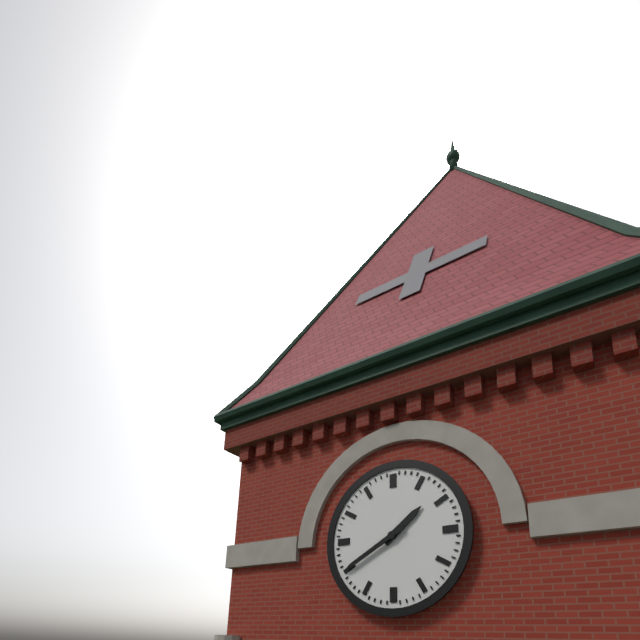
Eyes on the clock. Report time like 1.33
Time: 1.40
